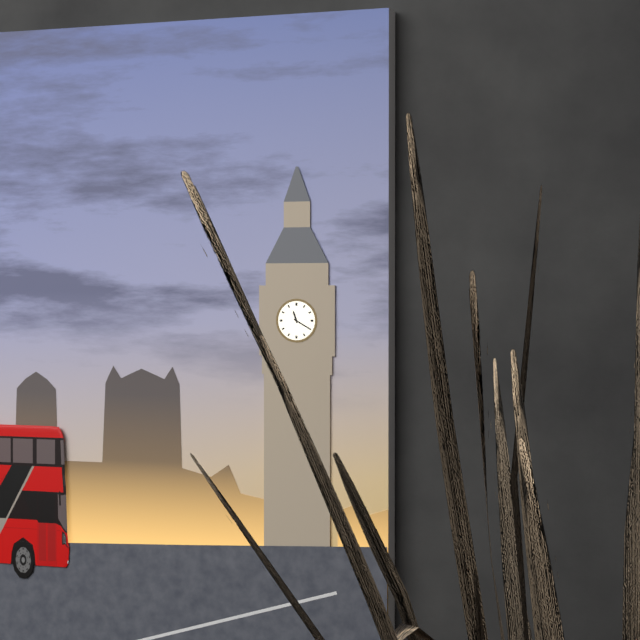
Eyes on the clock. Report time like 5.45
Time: 11.20
